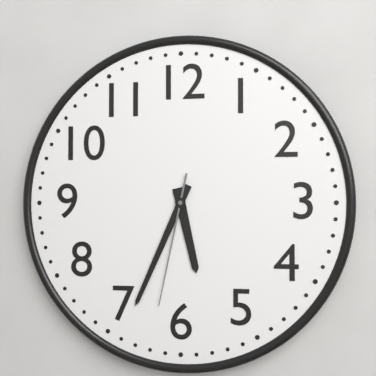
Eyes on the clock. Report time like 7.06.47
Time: 5.34.32
